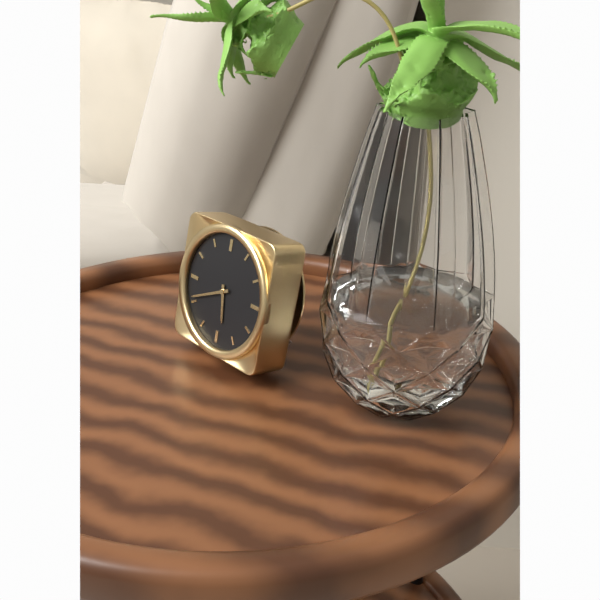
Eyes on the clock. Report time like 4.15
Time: 5.41
